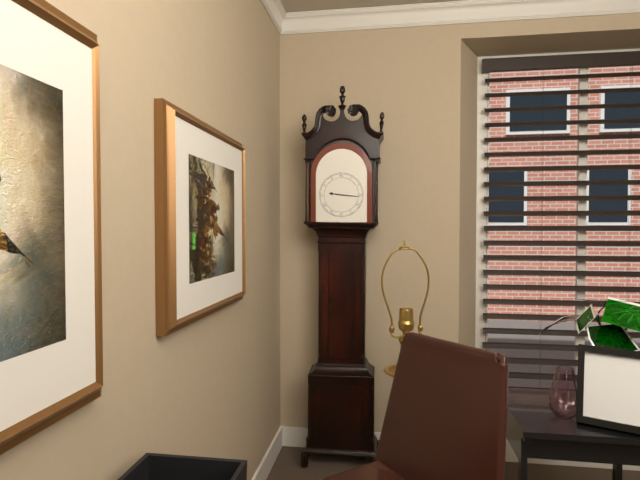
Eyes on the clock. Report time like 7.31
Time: 9.16
